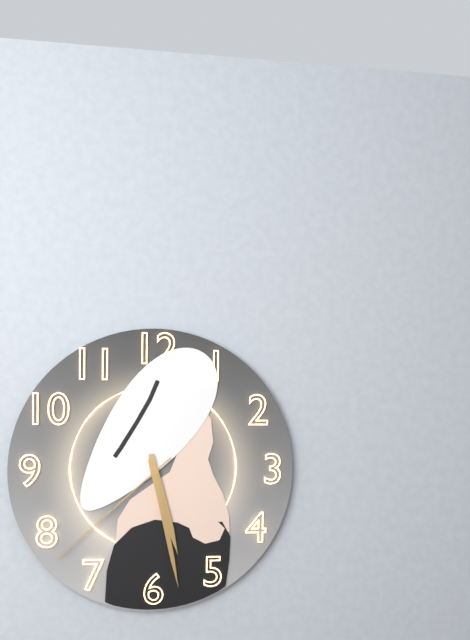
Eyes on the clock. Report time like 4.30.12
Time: 5.28.38
